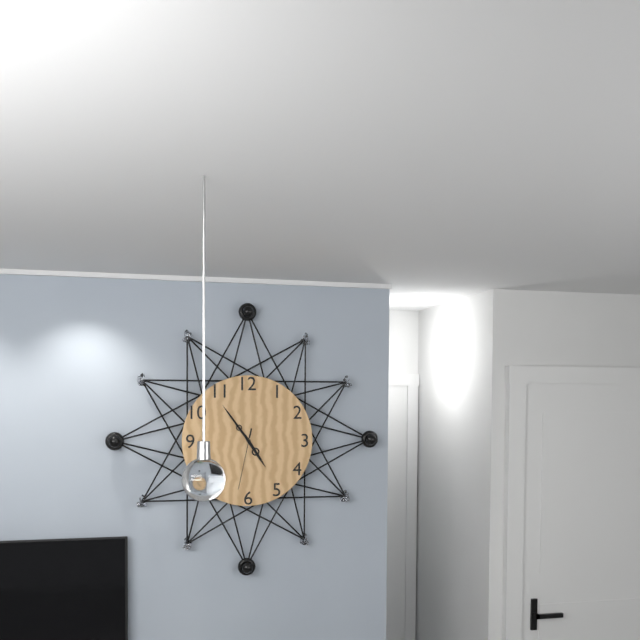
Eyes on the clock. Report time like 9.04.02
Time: 4.54.32
